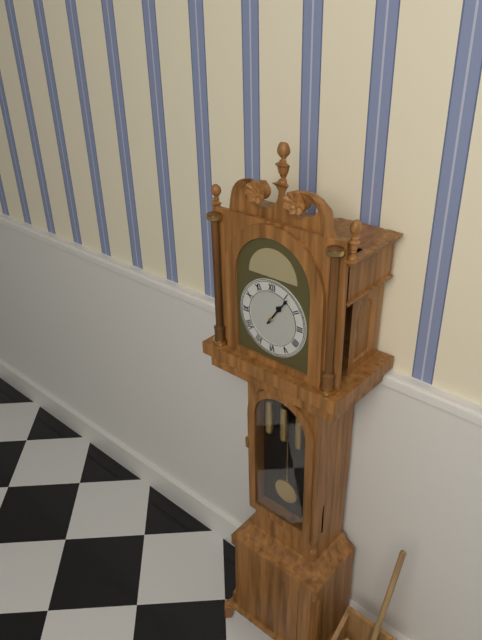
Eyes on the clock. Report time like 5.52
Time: 1.06
